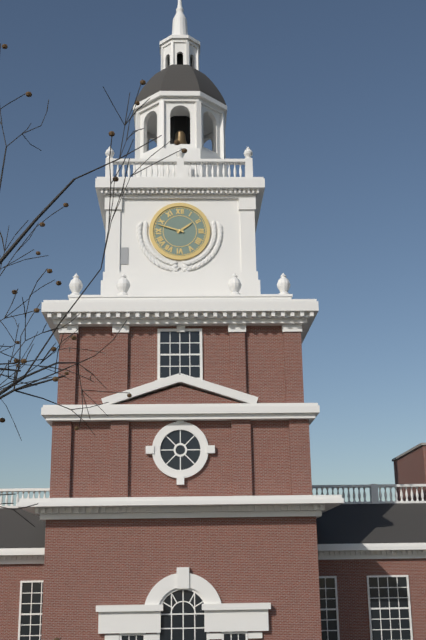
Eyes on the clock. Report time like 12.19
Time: 1.48
